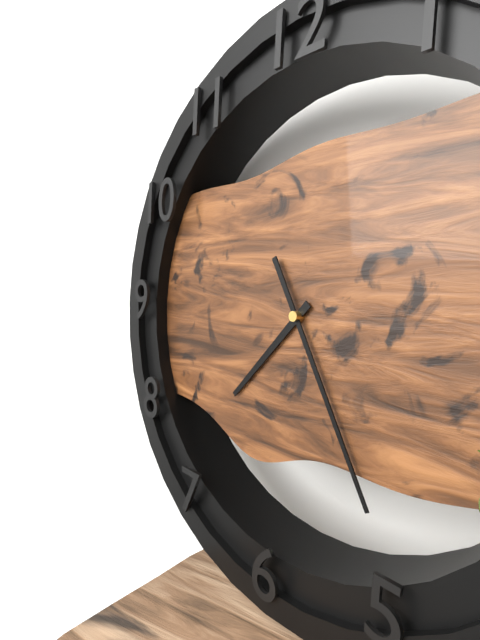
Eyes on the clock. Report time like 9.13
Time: 7.25
